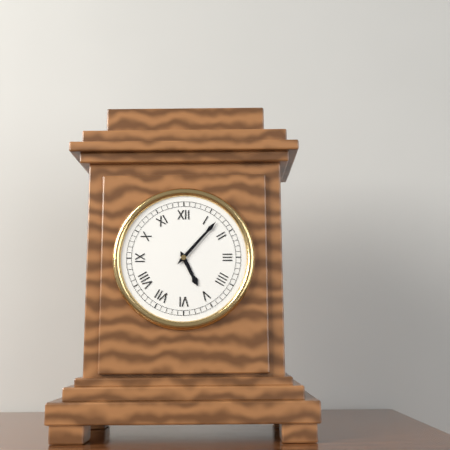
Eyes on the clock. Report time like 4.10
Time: 5.07
